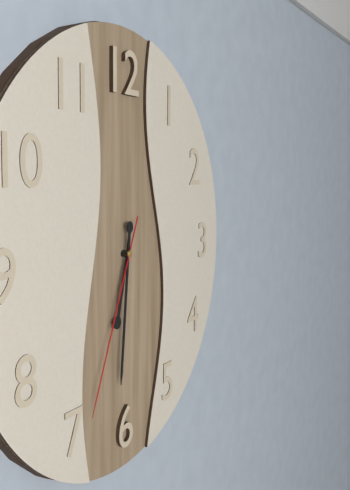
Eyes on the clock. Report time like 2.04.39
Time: 6.31.34
